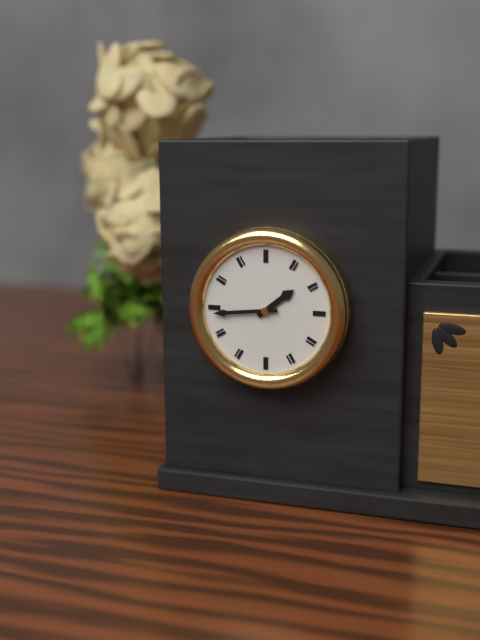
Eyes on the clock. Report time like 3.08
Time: 1.44
